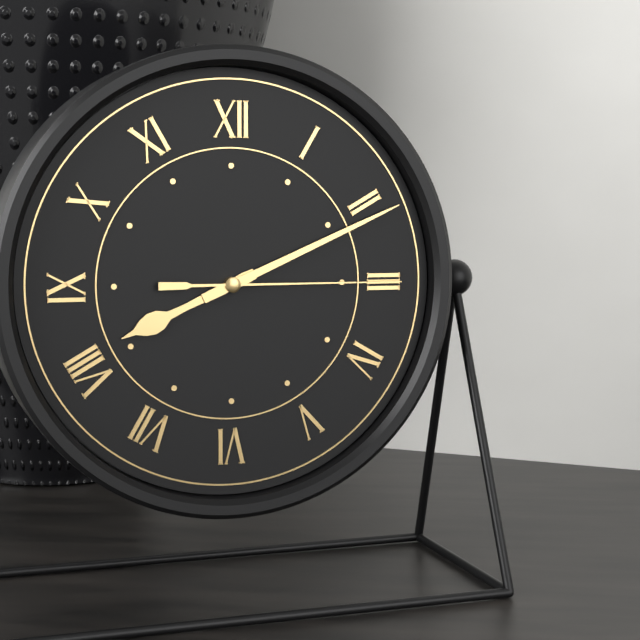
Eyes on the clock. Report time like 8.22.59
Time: 8.11.15
